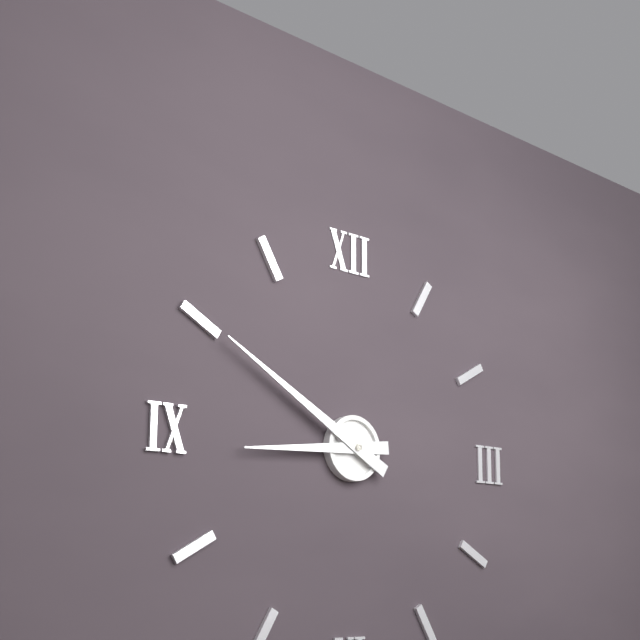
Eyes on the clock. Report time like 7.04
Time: 8.50
